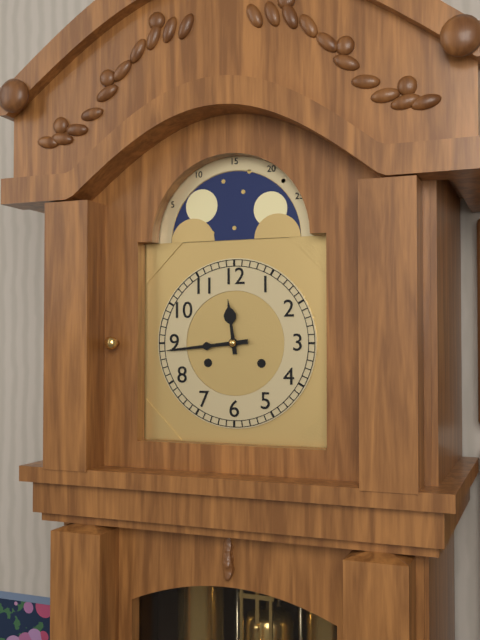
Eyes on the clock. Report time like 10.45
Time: 11.44
